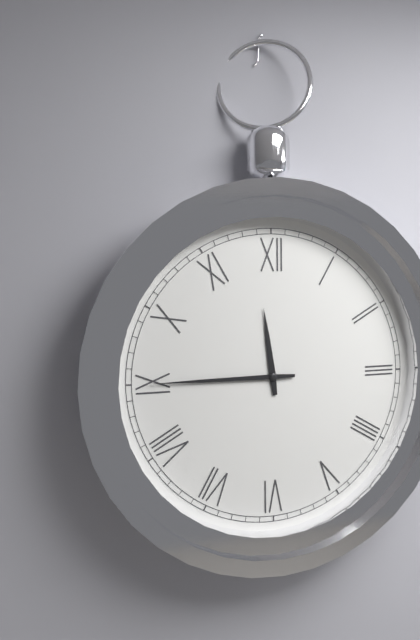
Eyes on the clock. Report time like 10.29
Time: 11.45
